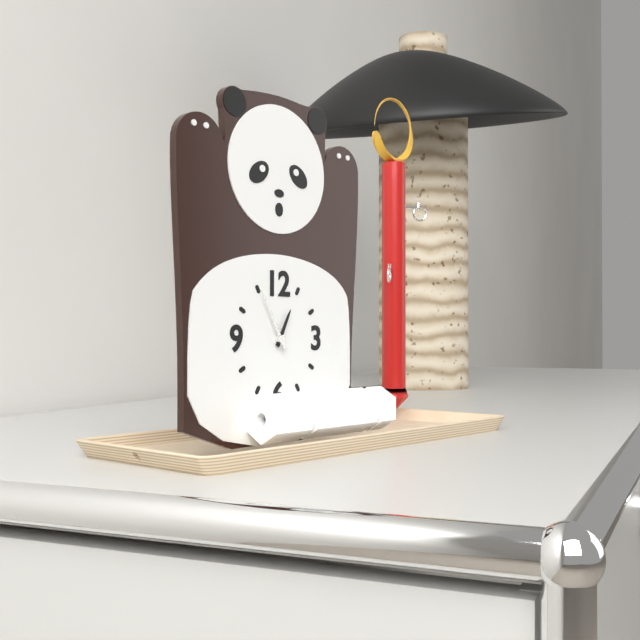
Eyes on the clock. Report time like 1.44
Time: 12.55
